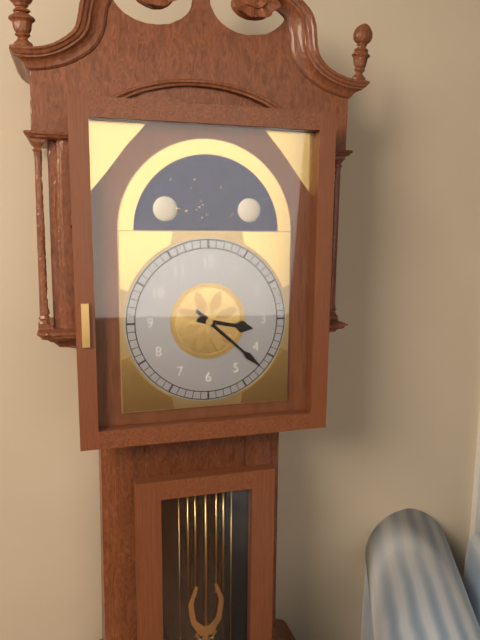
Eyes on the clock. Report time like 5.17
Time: 3.22
